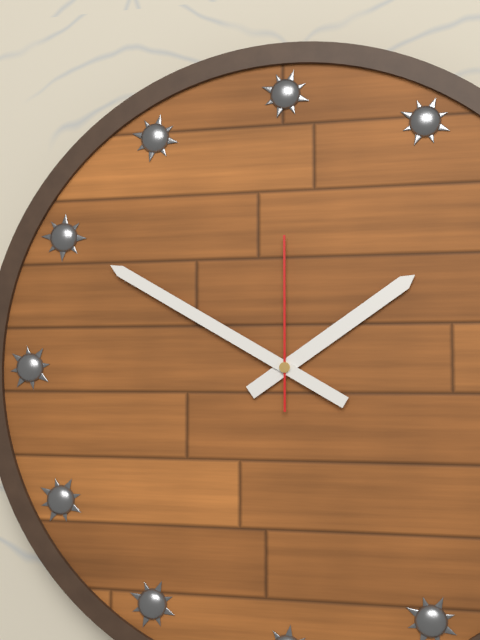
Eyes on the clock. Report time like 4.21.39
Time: 1.50.00
